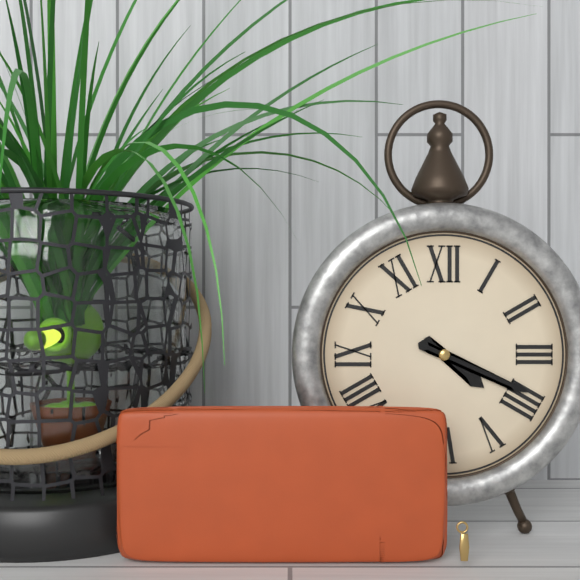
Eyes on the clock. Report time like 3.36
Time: 4.19
